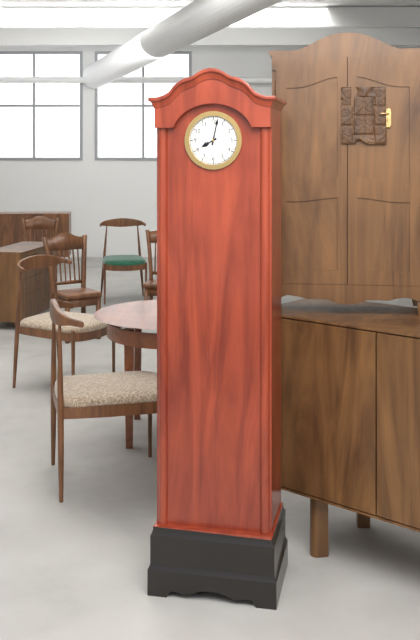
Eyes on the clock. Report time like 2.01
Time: 8.02
